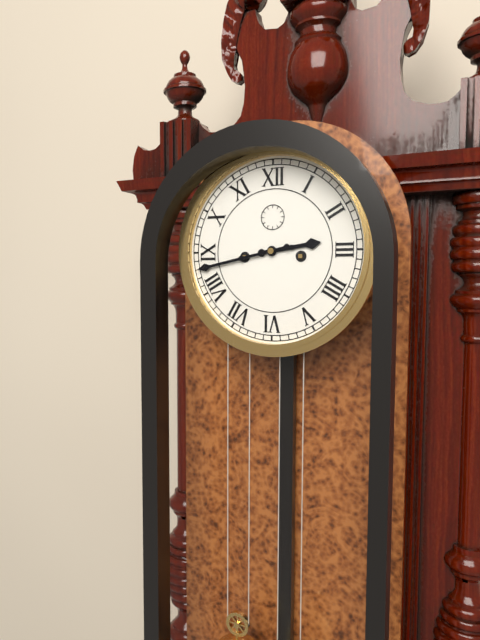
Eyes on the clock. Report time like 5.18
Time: 2.43
